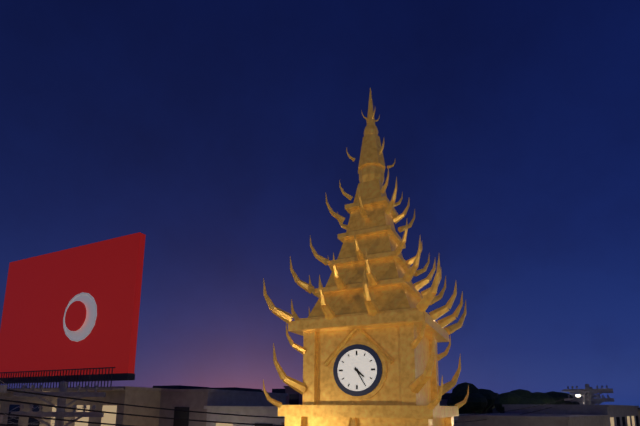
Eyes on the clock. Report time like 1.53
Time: 4.25
